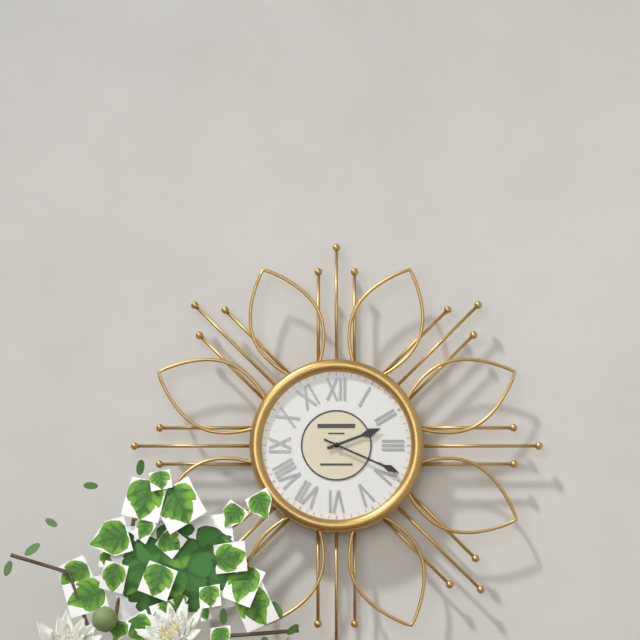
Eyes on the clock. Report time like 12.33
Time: 2.19
